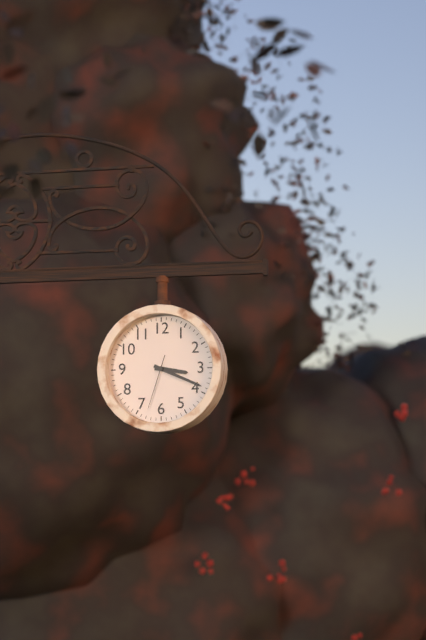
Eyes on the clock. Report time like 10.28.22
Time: 3.19.33
